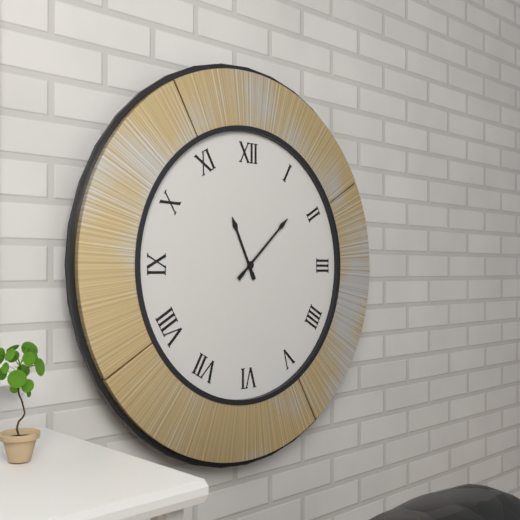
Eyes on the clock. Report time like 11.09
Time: 11.08
